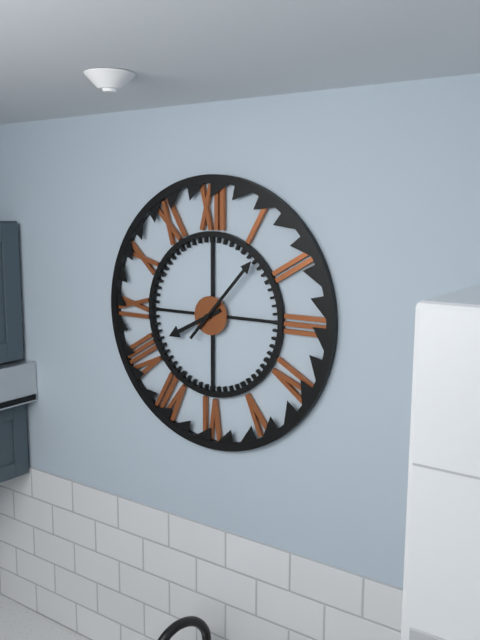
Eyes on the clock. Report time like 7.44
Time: 8.07
